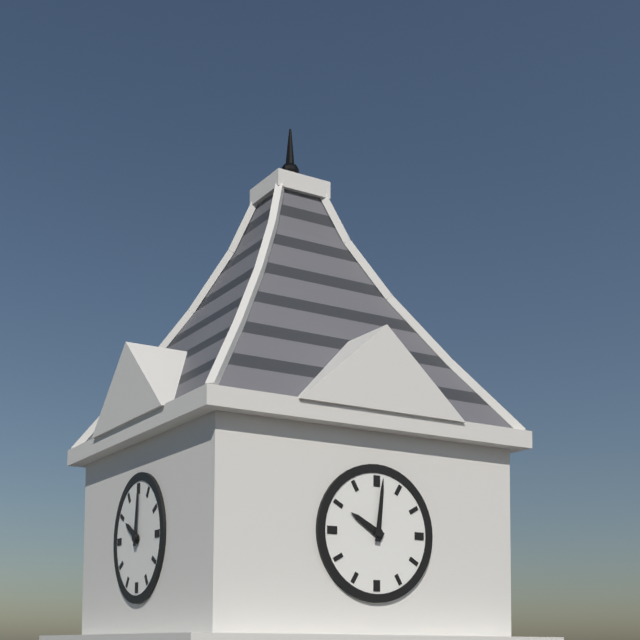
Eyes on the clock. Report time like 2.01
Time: 10.01
